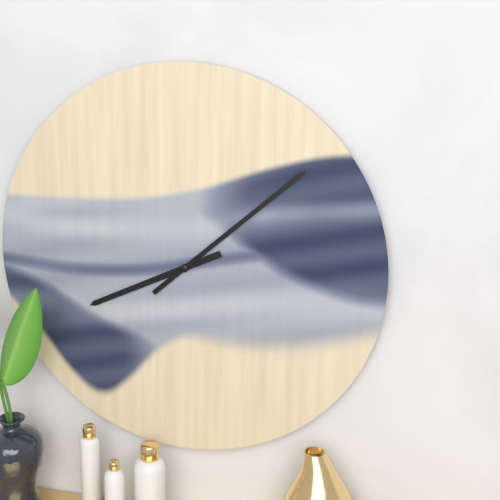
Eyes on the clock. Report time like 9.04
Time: 8.08
